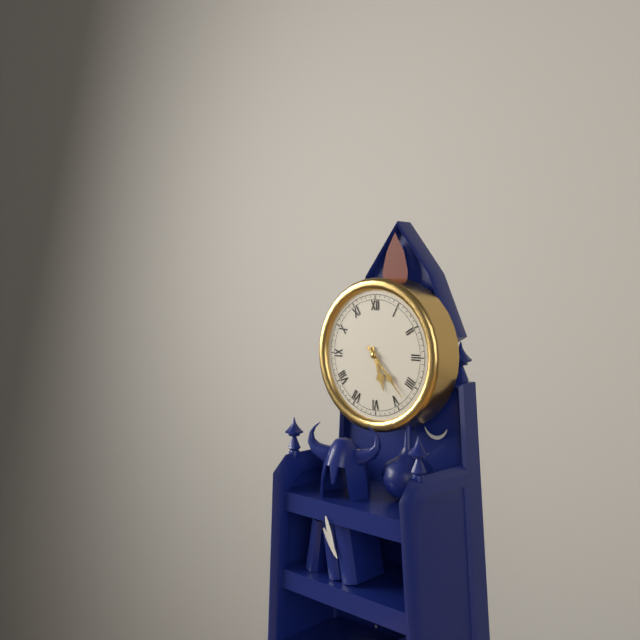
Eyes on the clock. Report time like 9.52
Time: 5.23
